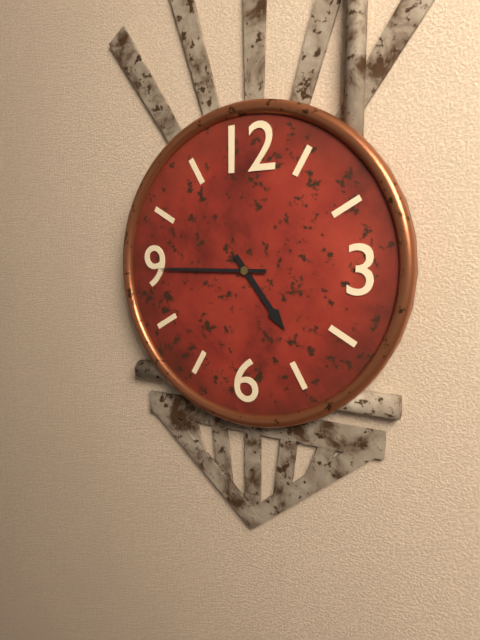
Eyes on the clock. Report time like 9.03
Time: 4.45
